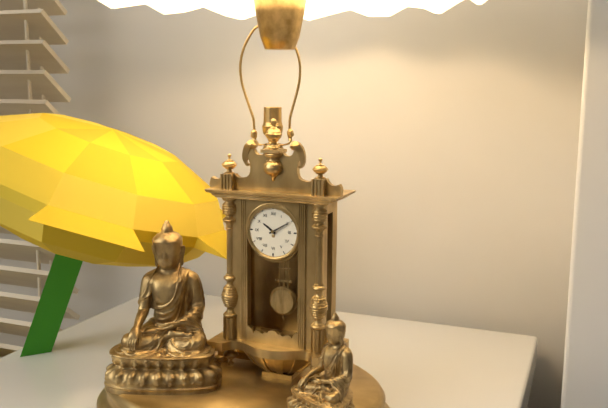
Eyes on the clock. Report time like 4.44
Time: 10.10
